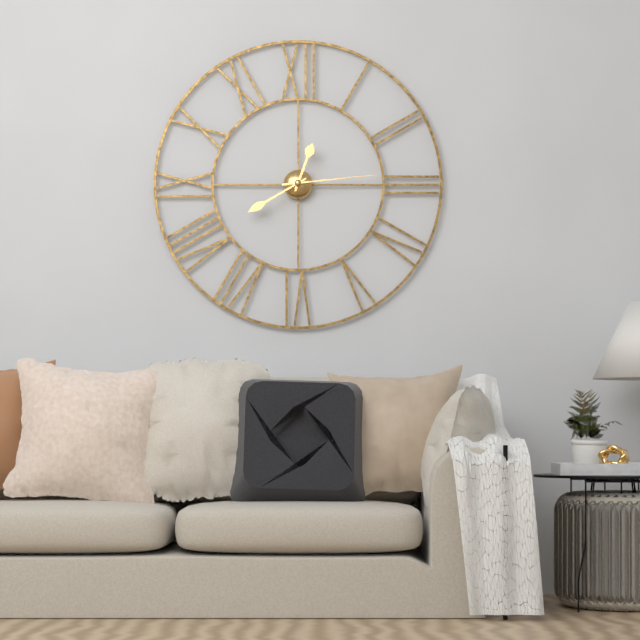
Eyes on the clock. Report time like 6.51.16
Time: 12.40.14
